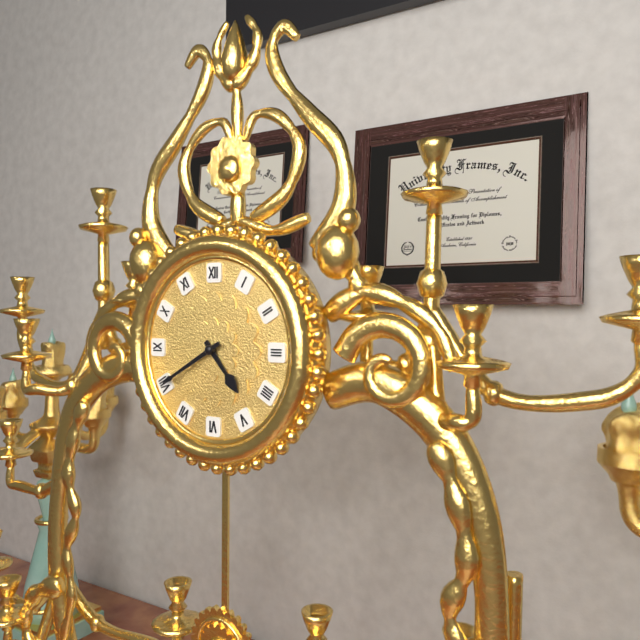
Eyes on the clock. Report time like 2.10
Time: 4.40
